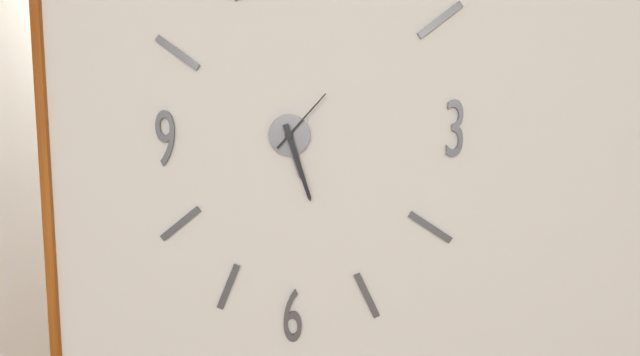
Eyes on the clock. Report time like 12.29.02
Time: 5.27.07
